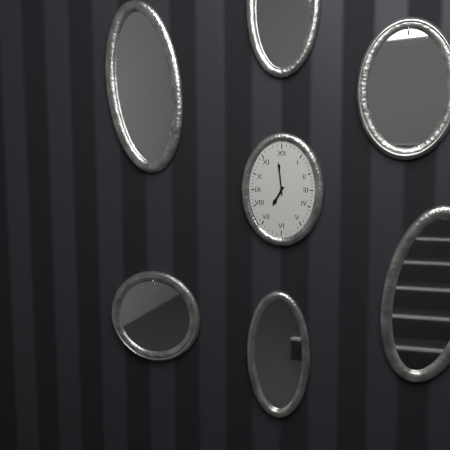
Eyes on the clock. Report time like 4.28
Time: 6.59
